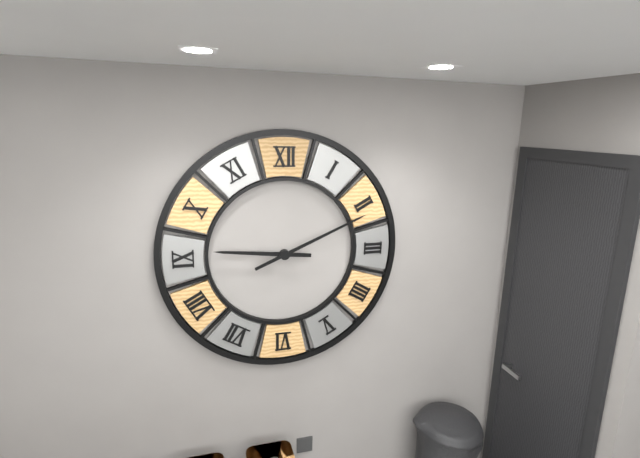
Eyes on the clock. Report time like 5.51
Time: 9.11
